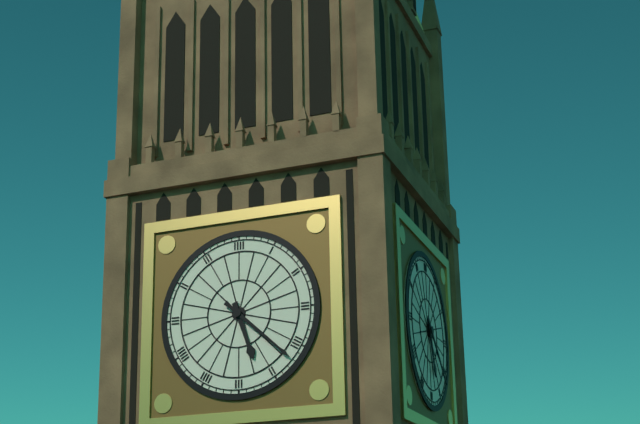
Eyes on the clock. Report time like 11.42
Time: 5.22
